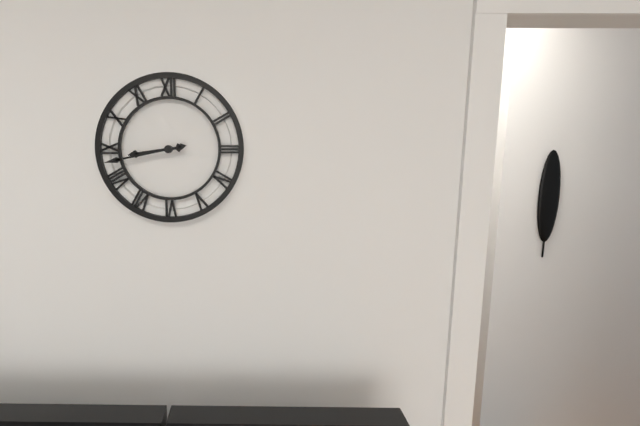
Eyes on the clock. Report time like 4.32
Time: 8.43
